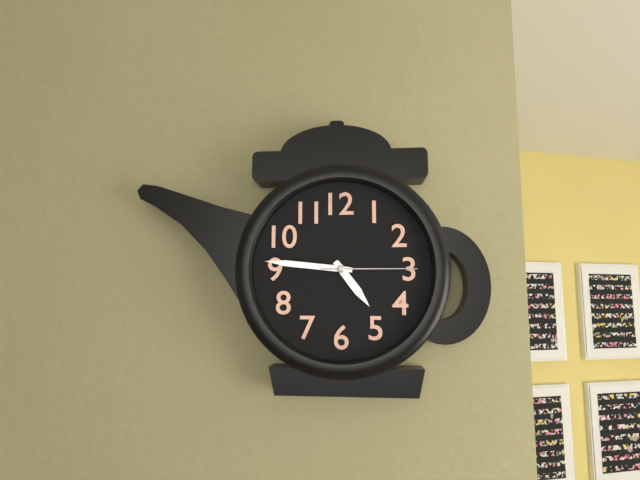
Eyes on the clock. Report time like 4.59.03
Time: 4.46.15
